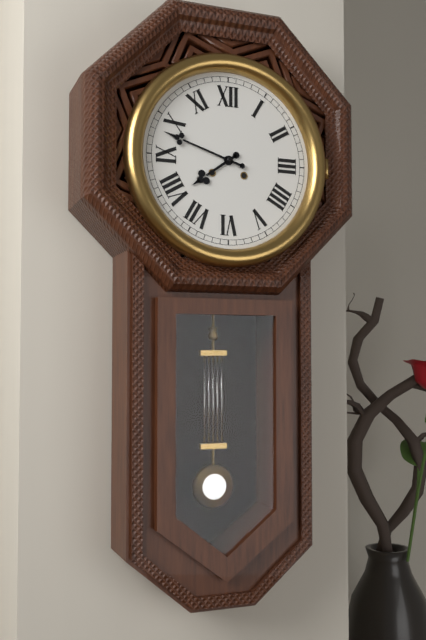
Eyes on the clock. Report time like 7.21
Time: 7.48
